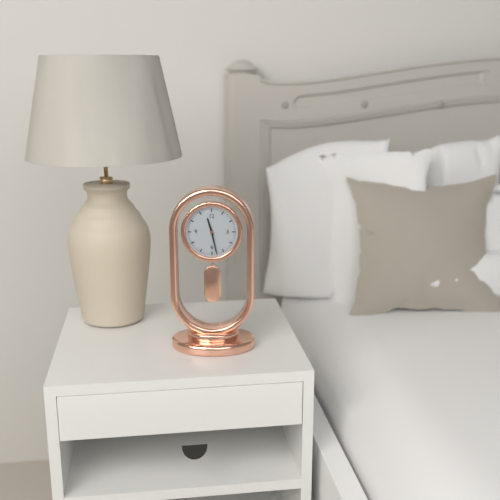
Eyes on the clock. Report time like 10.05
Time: 11.28
